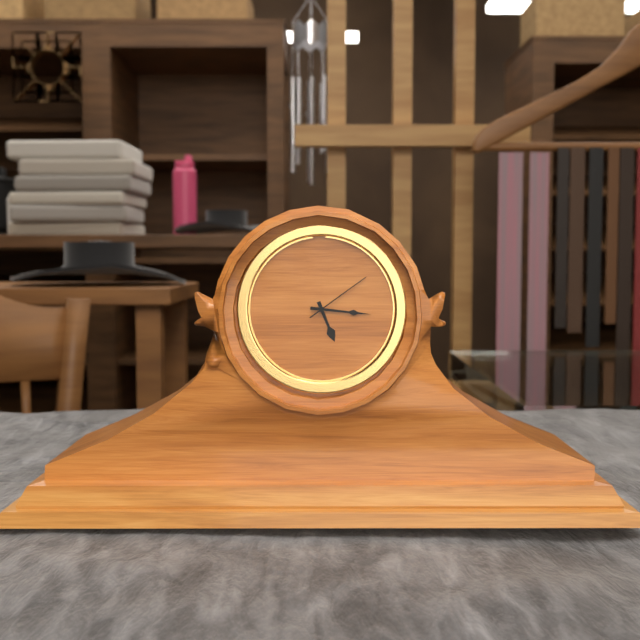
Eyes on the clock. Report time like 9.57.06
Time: 5.16.09
